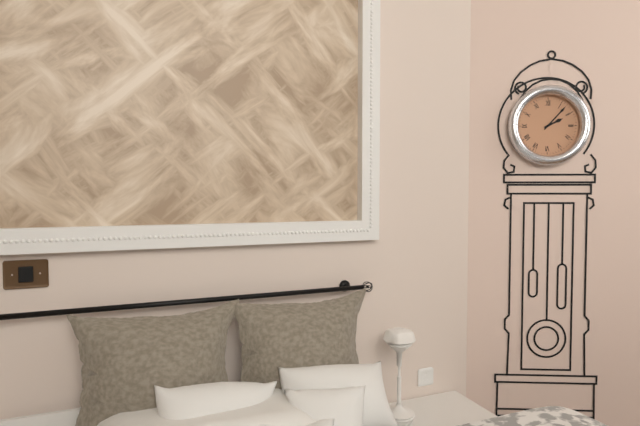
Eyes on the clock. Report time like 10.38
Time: 2.07
